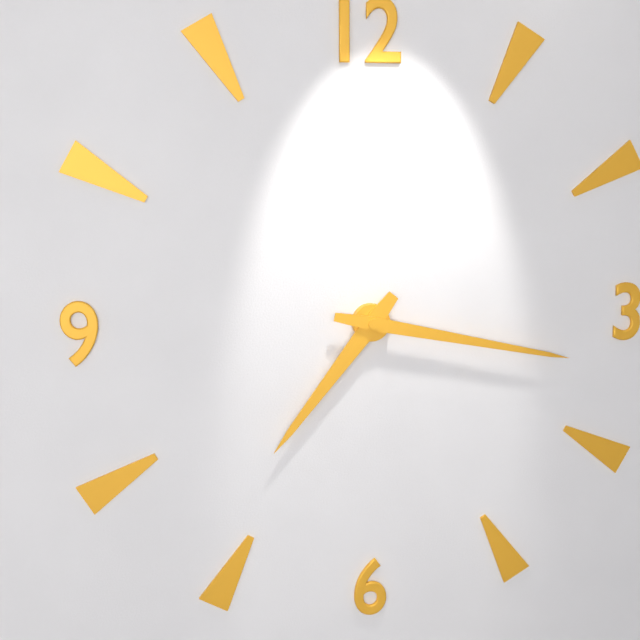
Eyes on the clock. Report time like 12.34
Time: 7.17
